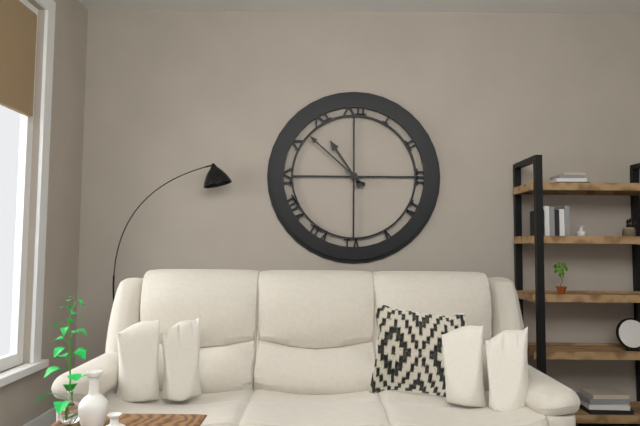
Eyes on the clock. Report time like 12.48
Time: 10.52
